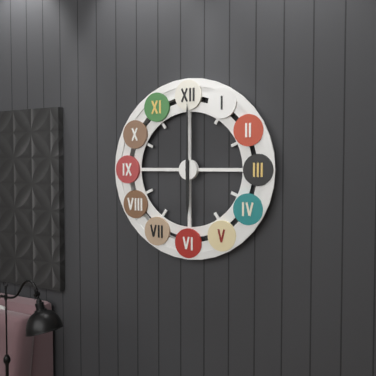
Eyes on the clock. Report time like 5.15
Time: 6.00
